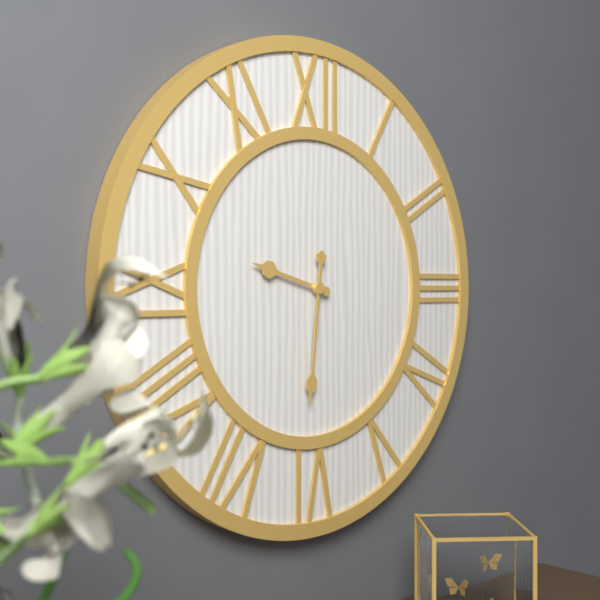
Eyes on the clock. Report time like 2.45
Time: 9.31
